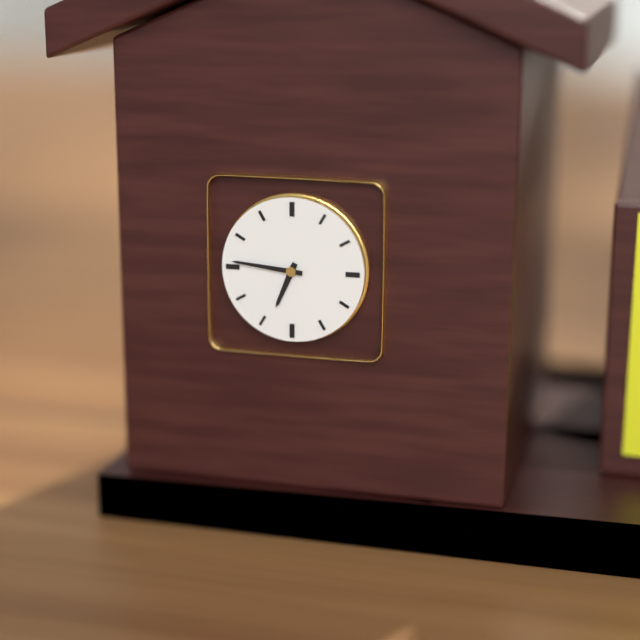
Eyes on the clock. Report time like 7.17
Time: 6.46
